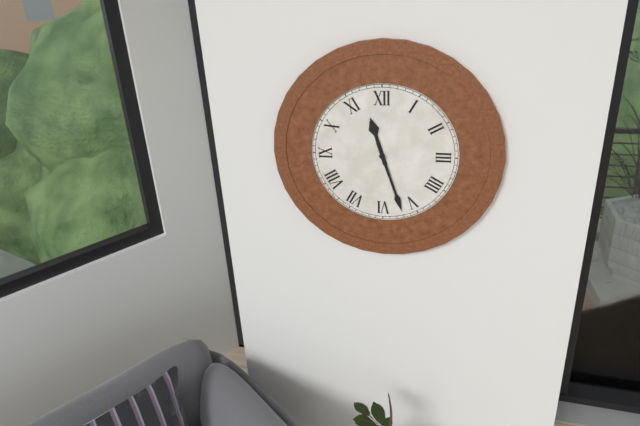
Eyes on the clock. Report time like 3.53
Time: 11.27
